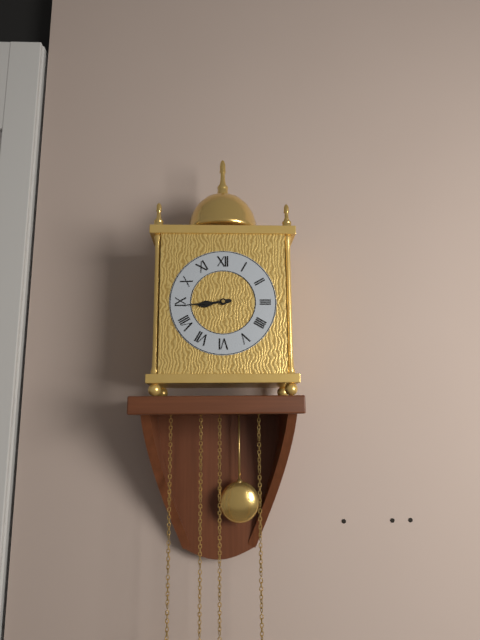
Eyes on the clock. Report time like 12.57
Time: 8.44
